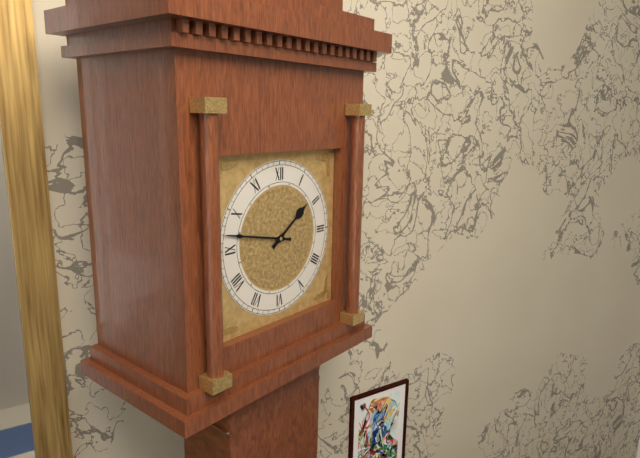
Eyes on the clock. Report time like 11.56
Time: 1.47
